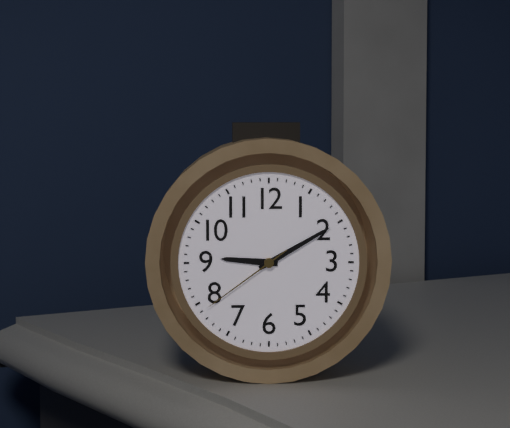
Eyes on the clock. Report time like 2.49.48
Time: 9.10.39
